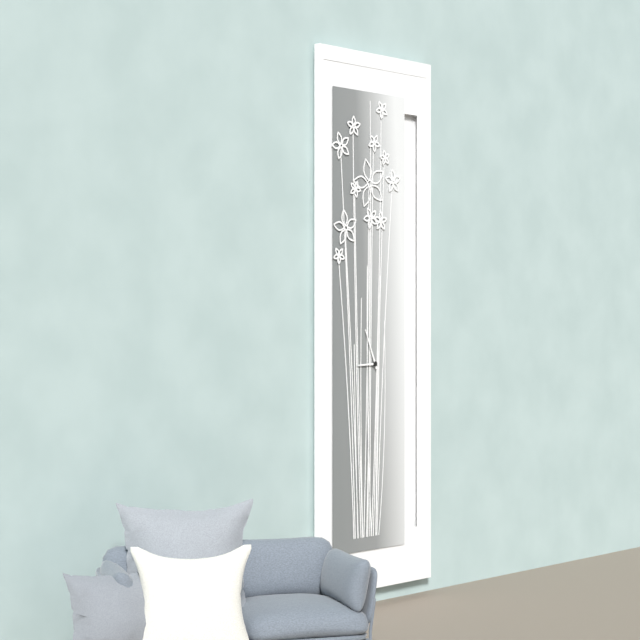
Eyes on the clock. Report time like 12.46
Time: 8.56
